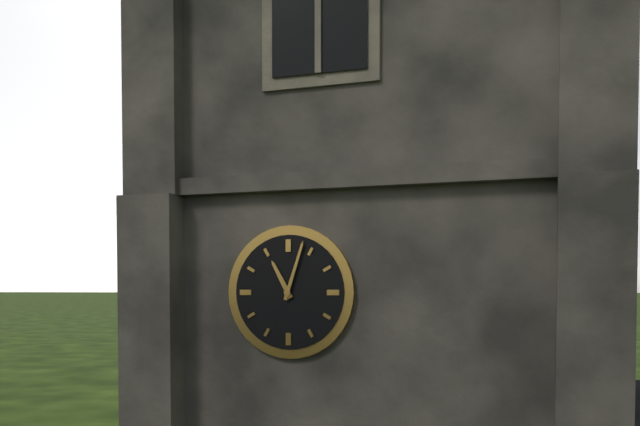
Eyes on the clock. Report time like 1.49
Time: 11.03
